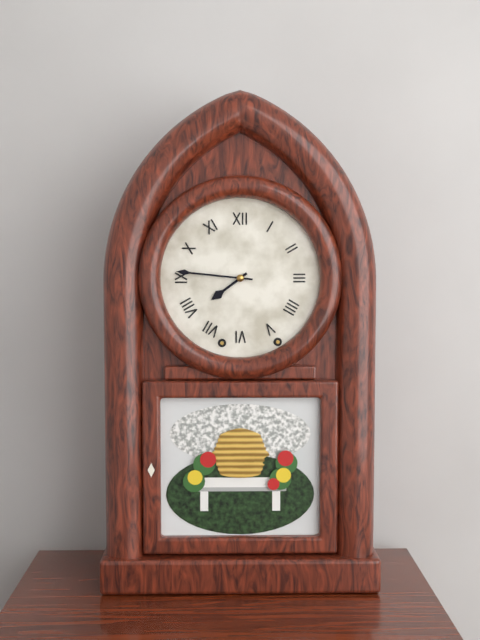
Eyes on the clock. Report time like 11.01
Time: 7.46
